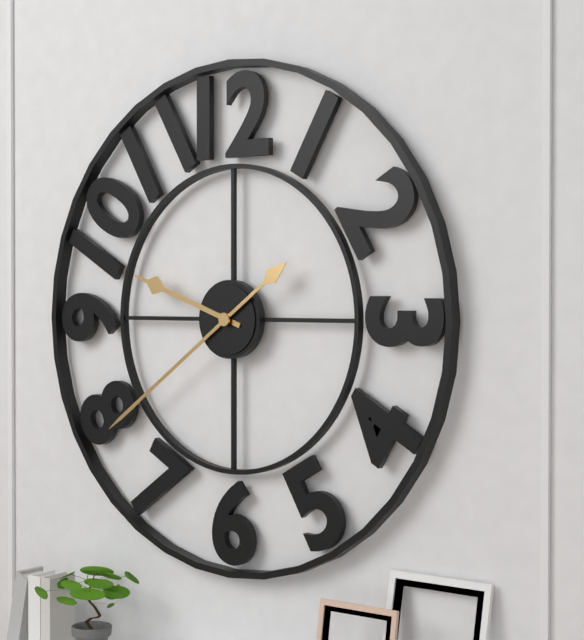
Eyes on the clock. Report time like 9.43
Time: 9.39
